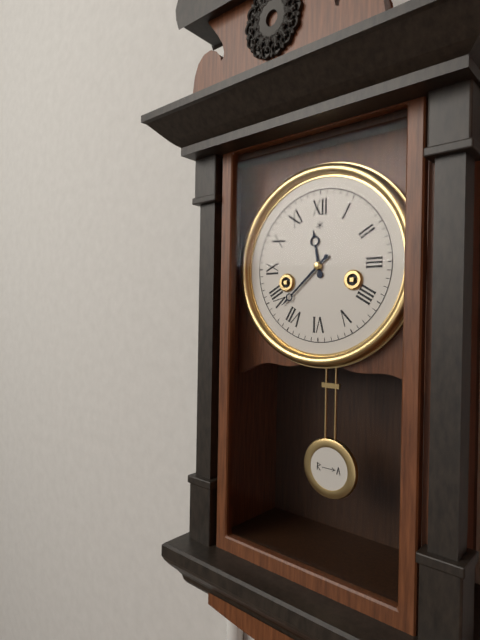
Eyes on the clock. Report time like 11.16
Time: 11.38
